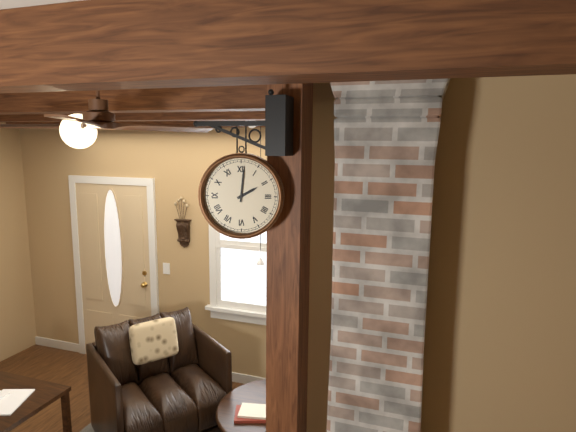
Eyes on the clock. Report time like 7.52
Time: 2.01
